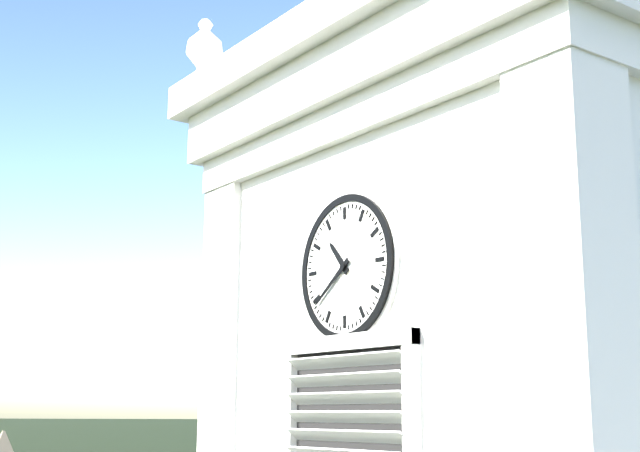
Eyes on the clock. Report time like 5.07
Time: 10.39
